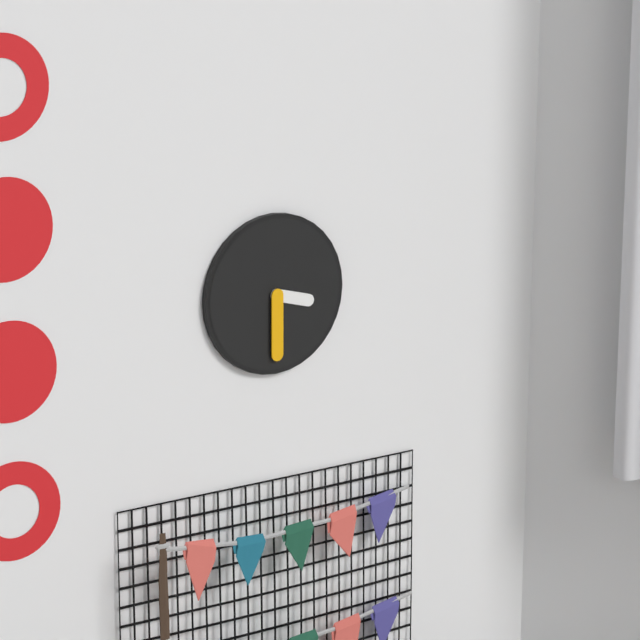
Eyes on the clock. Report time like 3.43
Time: 3.30
